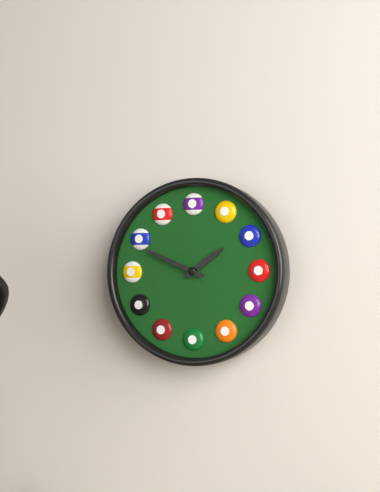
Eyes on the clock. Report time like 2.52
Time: 1.49
